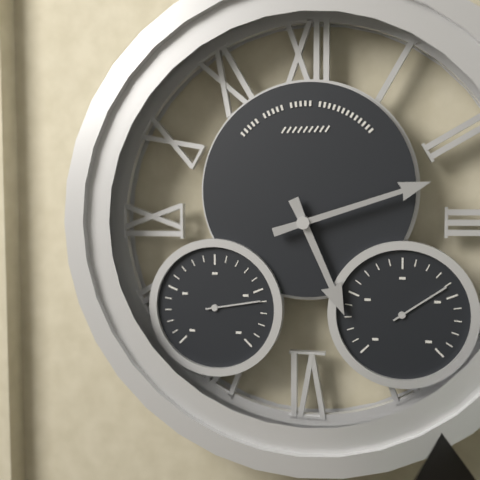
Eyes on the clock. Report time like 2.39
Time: 5.12
